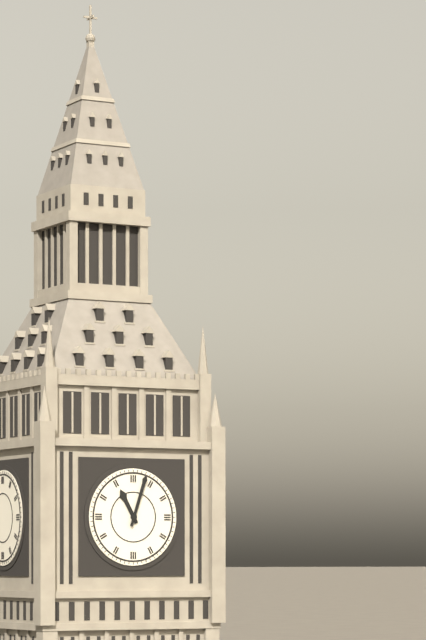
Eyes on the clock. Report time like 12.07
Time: 11.03
